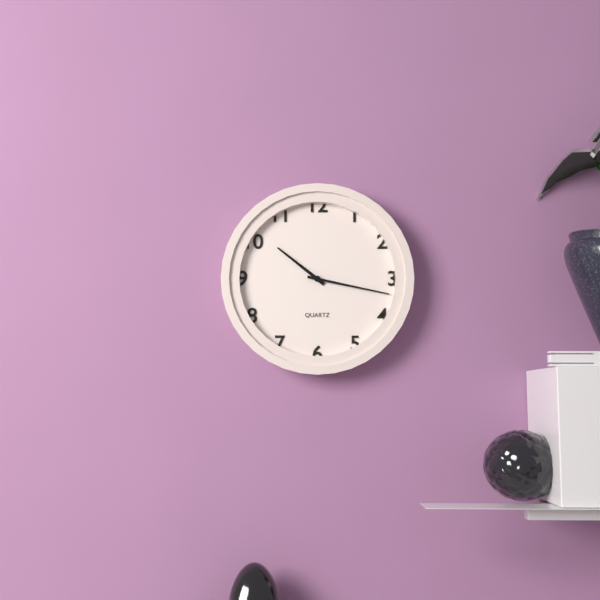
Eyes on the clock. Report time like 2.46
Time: 10.17
